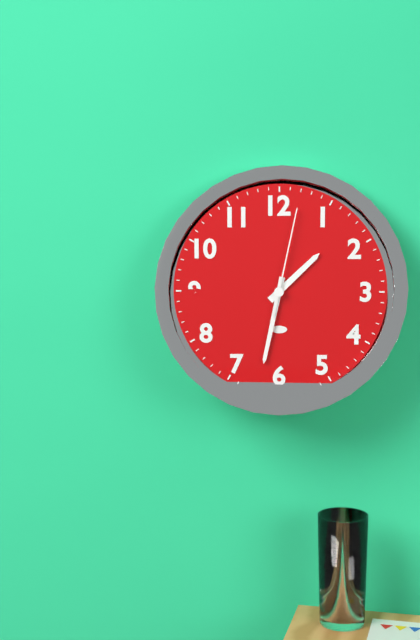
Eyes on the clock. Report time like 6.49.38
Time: 1.32.02
